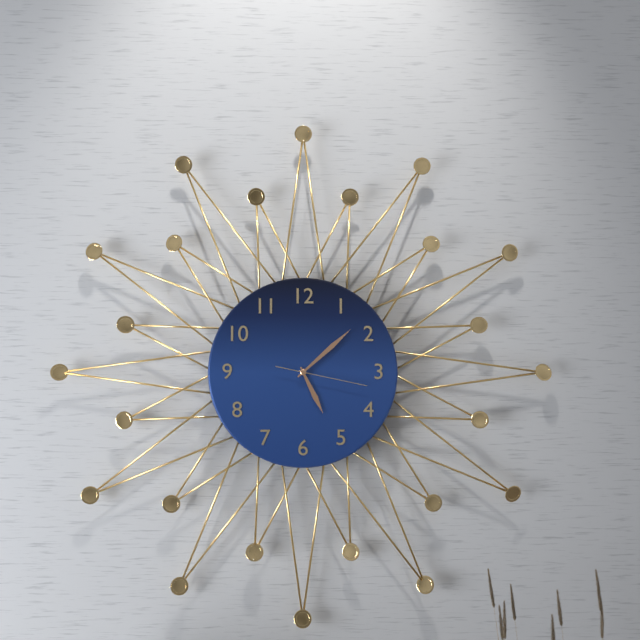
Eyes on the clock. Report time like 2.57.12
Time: 5.08.17
